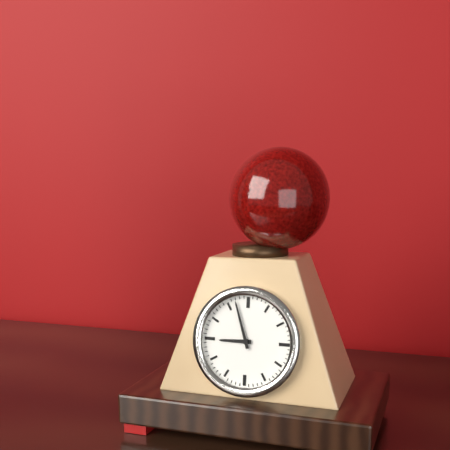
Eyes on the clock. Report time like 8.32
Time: 8.57
